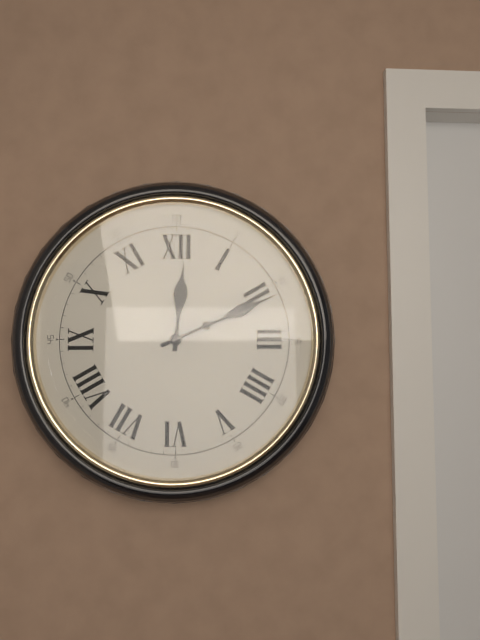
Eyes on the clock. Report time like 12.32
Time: 12.11
